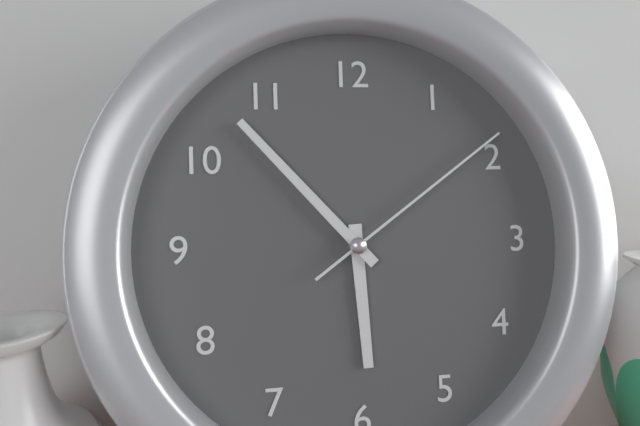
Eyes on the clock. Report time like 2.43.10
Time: 5.53.09
